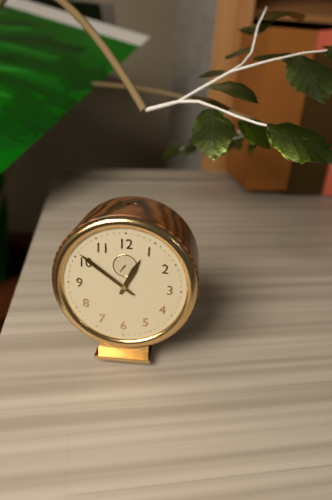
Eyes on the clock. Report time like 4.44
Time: 12.51
